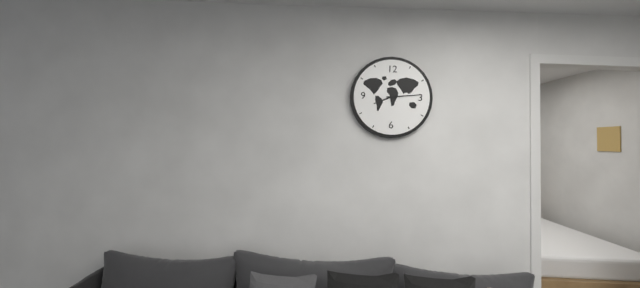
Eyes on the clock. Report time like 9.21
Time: 8.14
